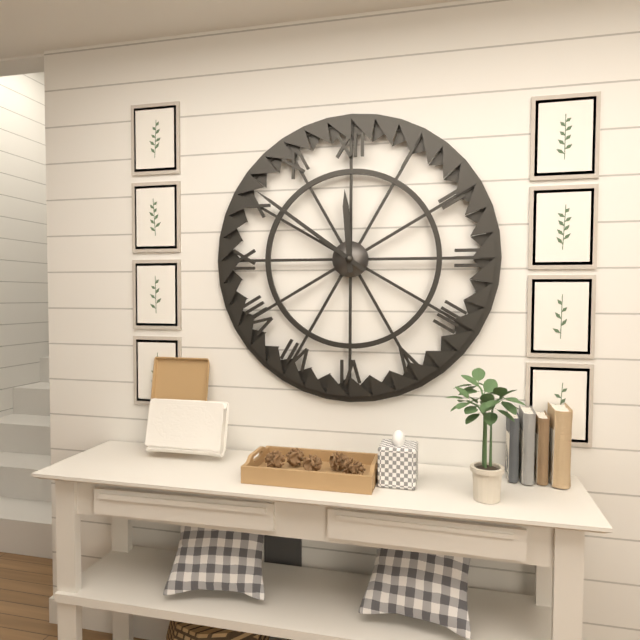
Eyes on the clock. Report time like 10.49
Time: 11.51
